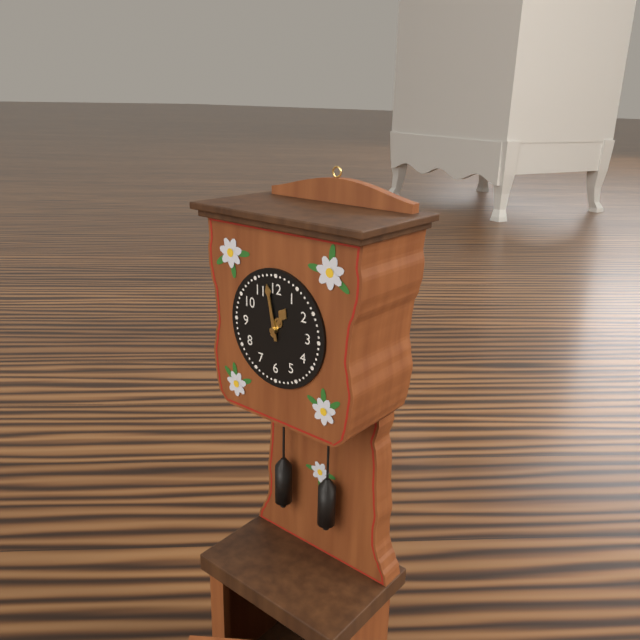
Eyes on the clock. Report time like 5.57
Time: 12.58
